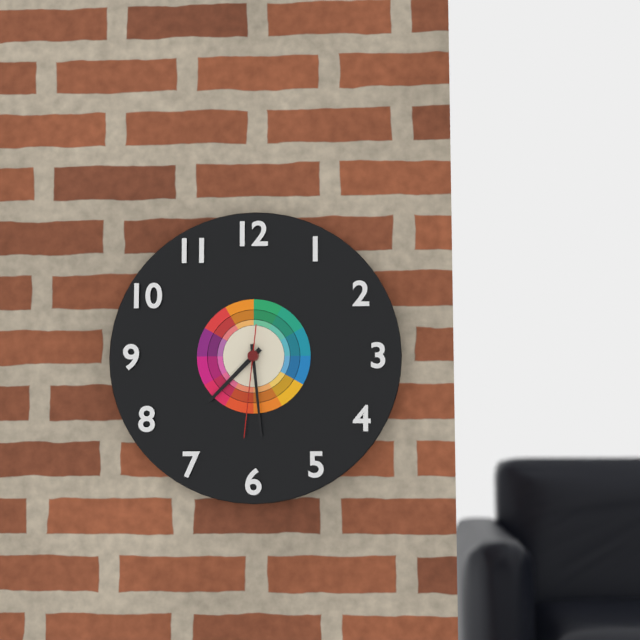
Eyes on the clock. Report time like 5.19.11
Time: 7.29.31
